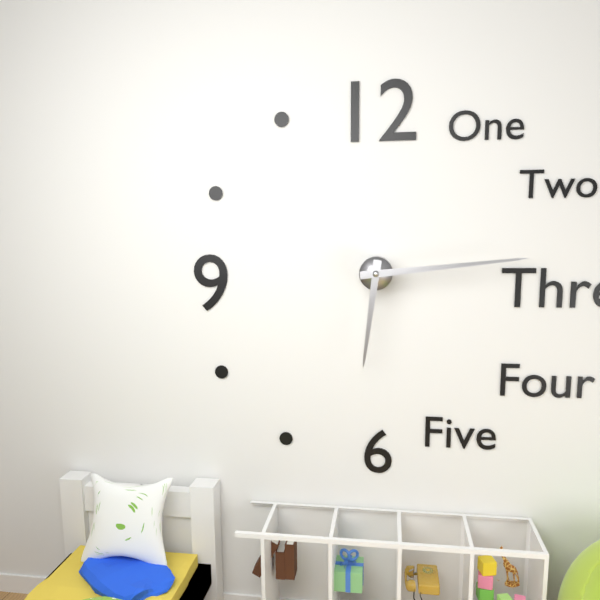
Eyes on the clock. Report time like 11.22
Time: 6.14
